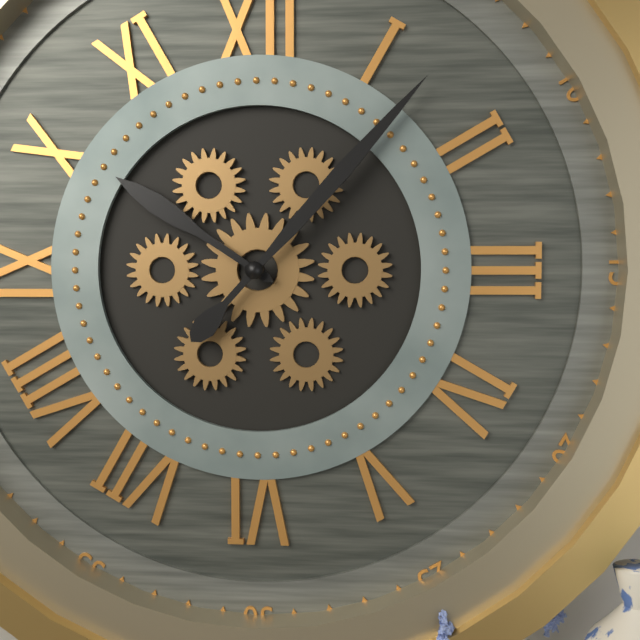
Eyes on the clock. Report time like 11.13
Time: 10.07
